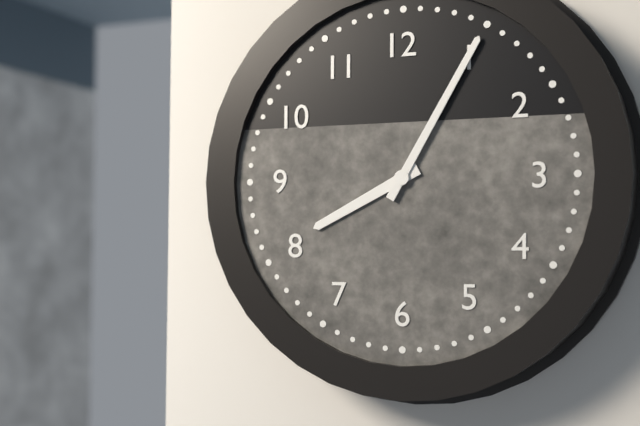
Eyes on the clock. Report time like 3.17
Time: 8.05
